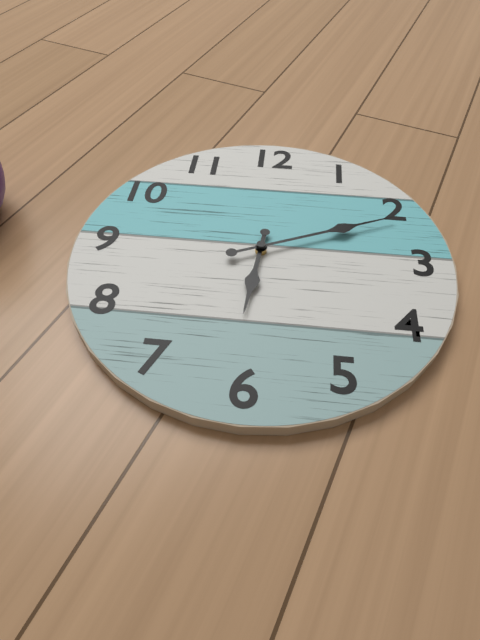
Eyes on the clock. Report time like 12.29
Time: 6.11
